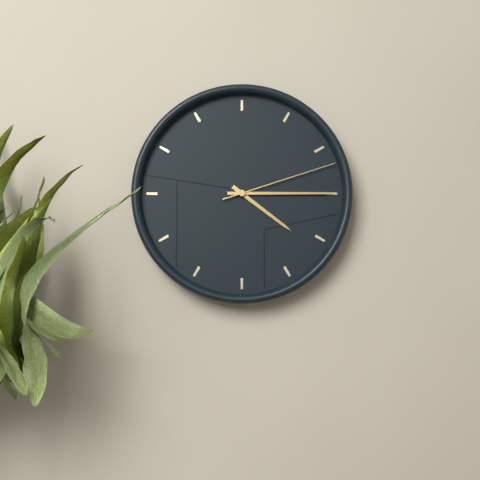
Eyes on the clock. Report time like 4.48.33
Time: 4.15.12
